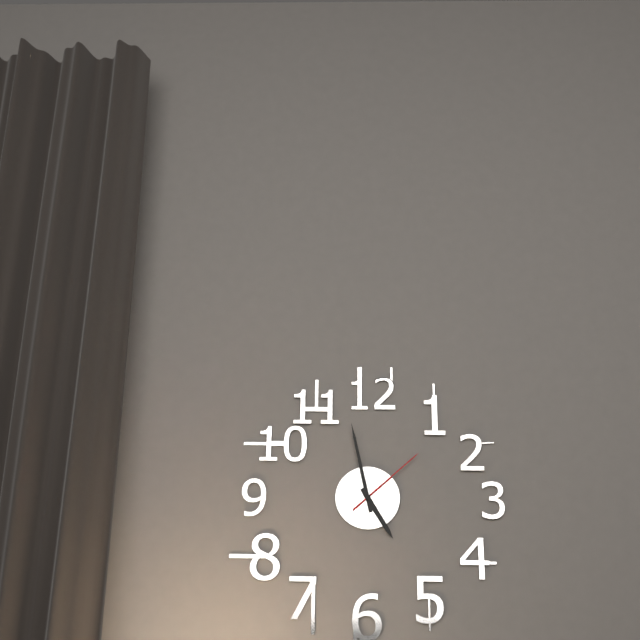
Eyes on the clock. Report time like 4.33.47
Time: 4.58.08
